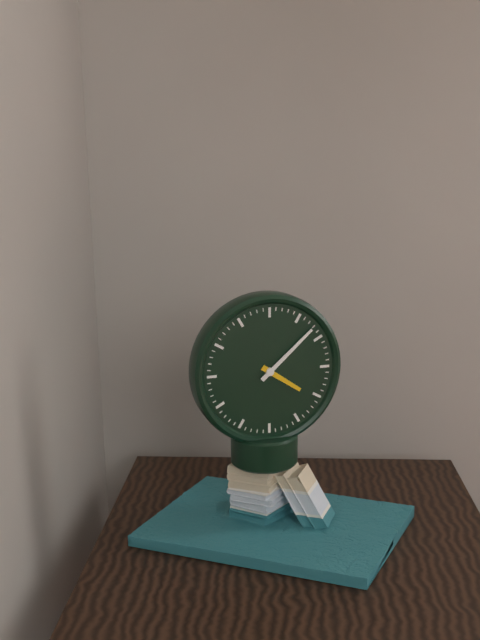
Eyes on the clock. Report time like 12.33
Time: 4.08
